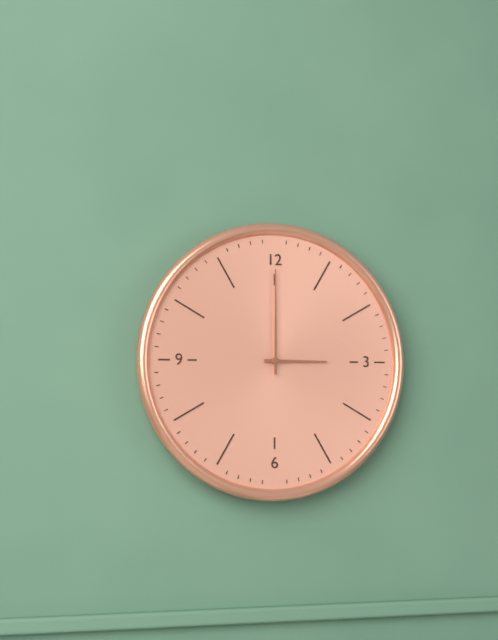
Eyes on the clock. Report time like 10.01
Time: 3.00
